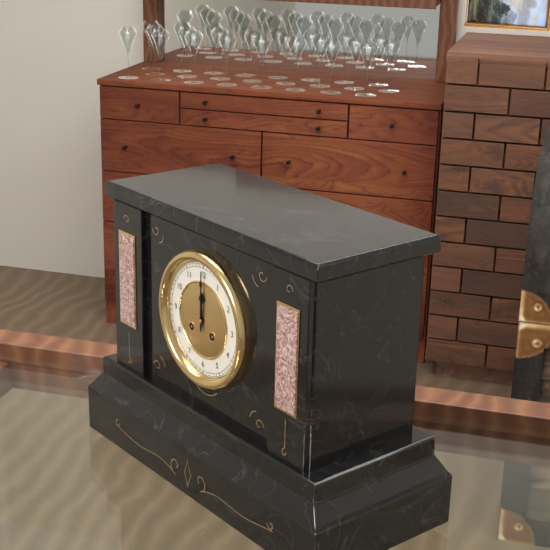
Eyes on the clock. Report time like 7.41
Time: 12.00
